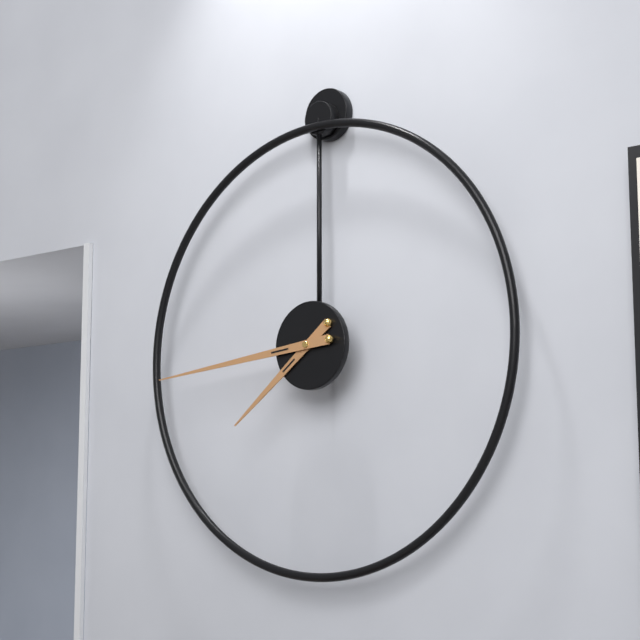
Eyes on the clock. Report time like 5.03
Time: 7.44
